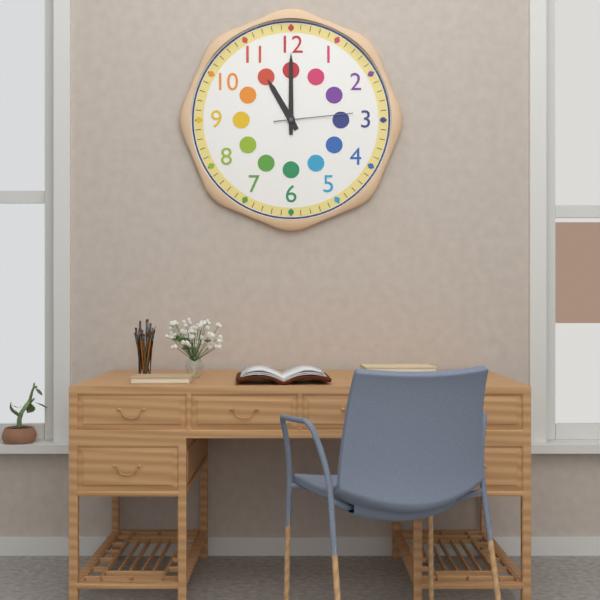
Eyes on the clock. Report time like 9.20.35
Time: 11.00.14
